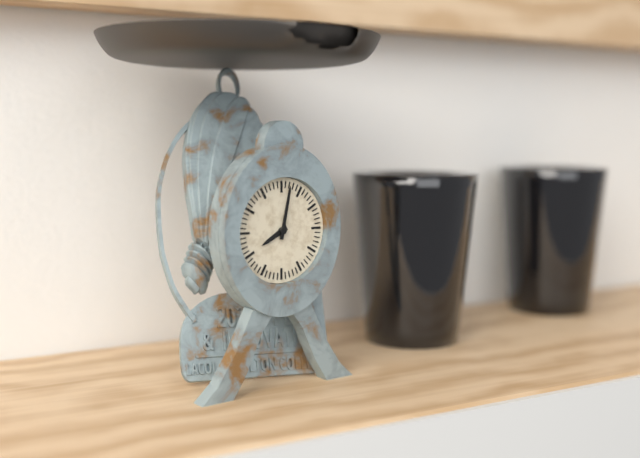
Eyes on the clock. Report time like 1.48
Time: 8.02
